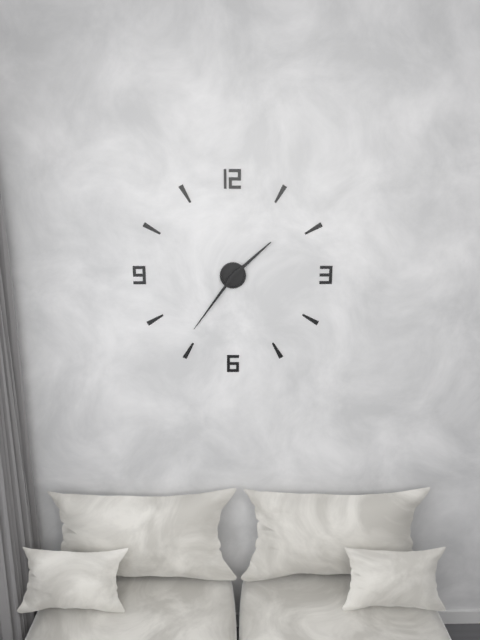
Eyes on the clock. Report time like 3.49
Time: 1.36
